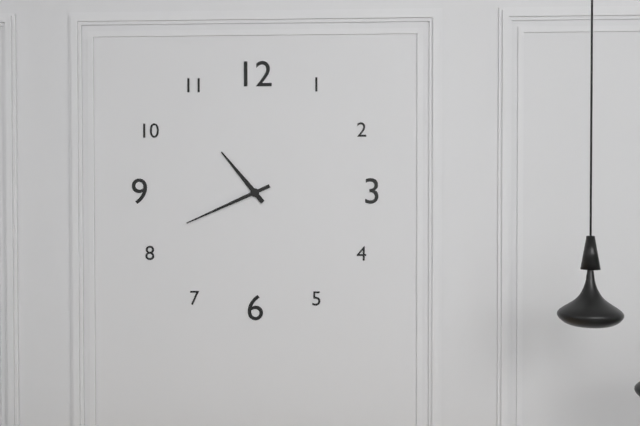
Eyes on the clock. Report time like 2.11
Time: 10.41
